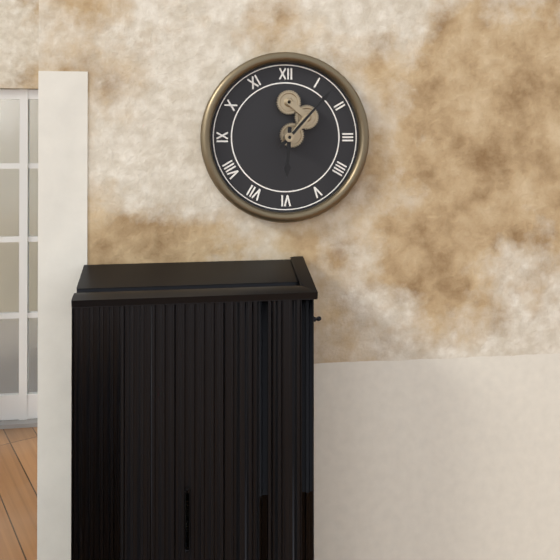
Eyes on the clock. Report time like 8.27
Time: 6.07
